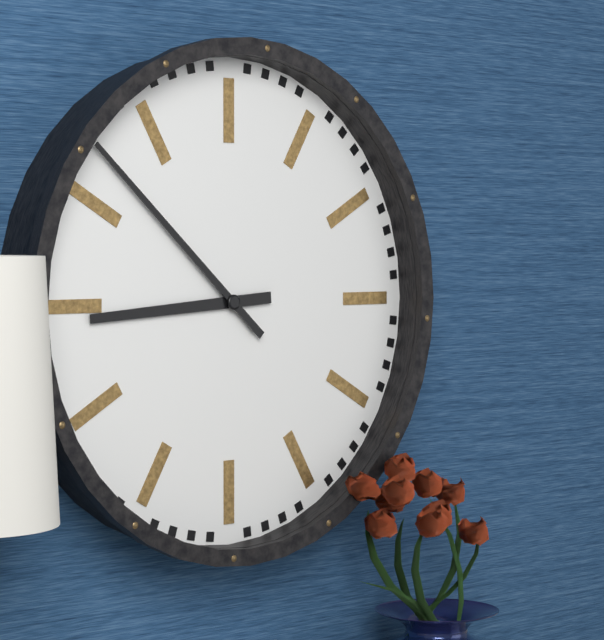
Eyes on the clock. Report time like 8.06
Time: 8.52
